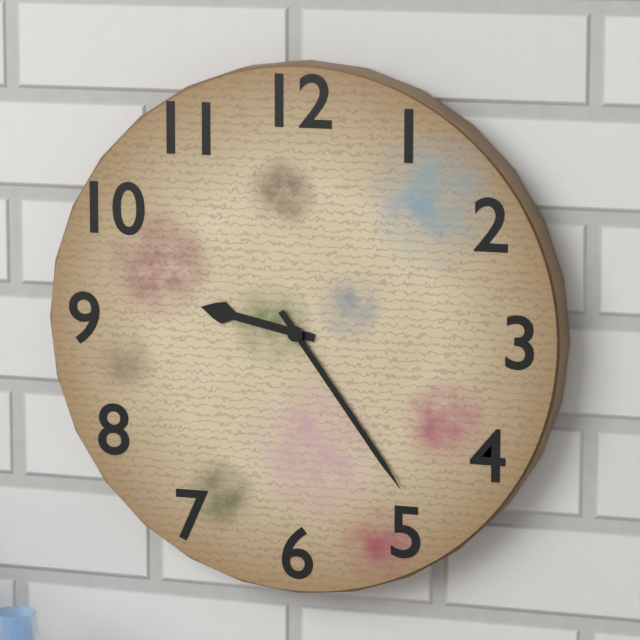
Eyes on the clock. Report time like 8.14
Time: 9.24
